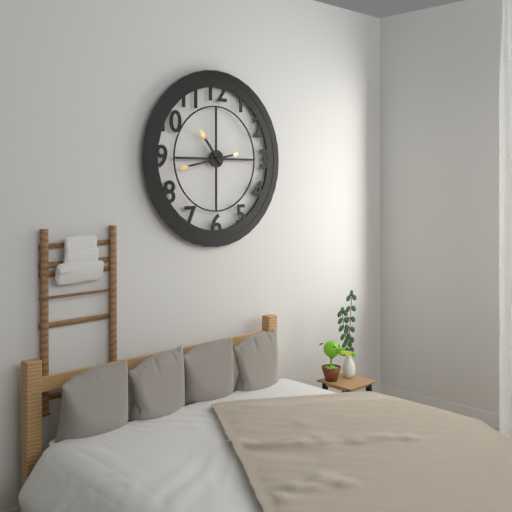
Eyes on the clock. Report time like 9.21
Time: 10.43
